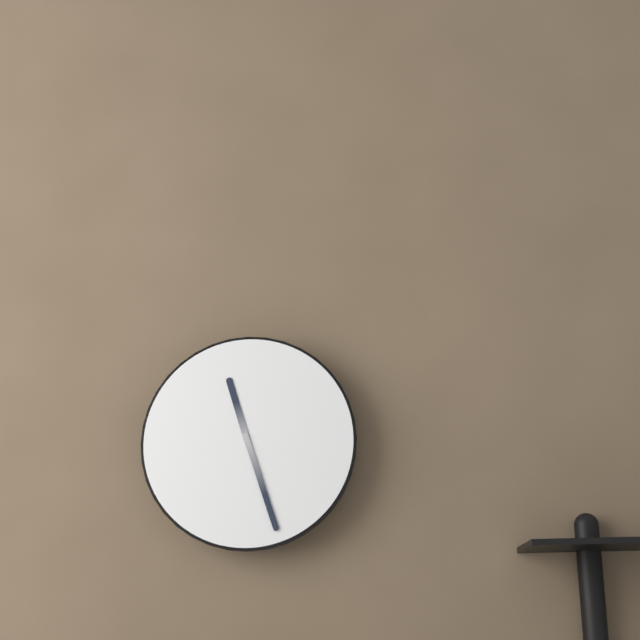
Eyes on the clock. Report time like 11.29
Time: 11.27
